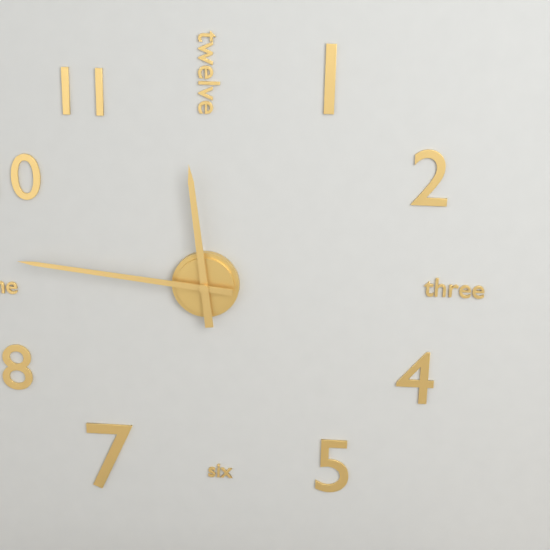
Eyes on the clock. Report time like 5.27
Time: 11.46
